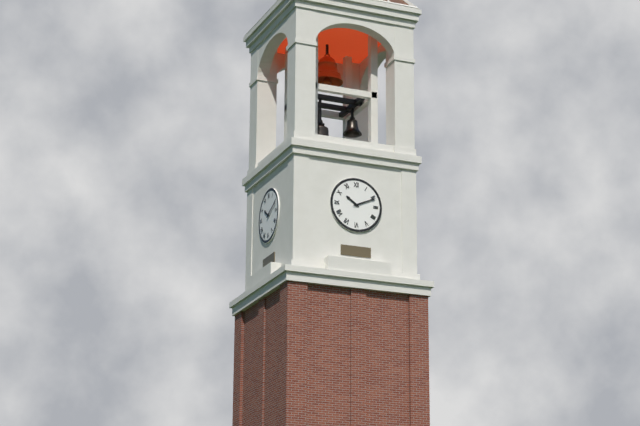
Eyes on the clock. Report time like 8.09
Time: 10.11
